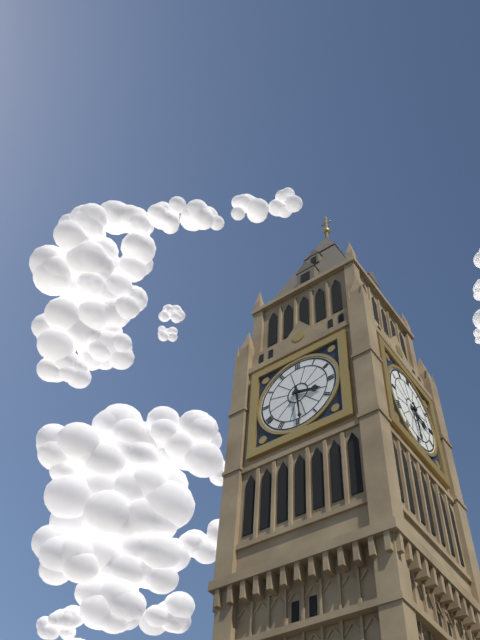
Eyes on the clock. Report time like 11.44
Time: 3.29
